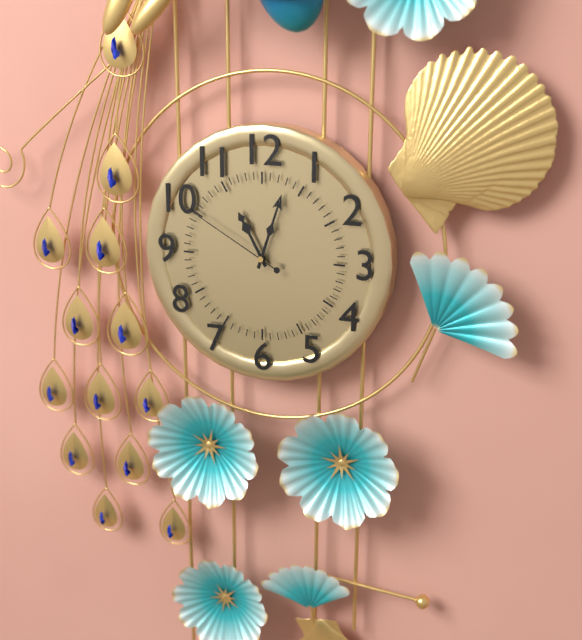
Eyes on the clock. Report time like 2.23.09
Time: 11.03.50
